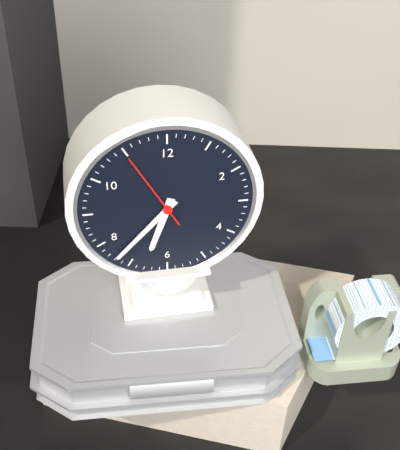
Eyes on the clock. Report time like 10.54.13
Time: 6.37.55
